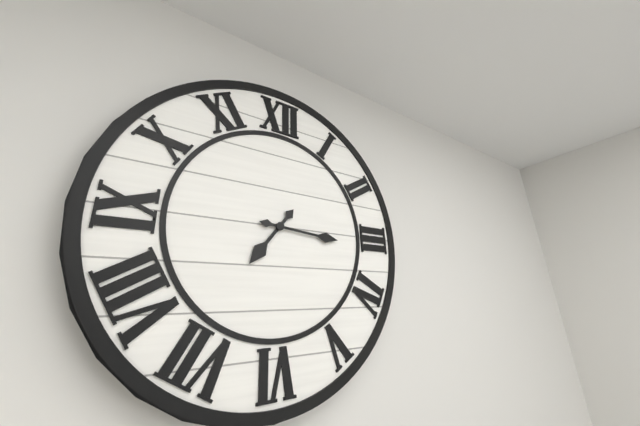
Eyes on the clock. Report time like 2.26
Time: 7.16
